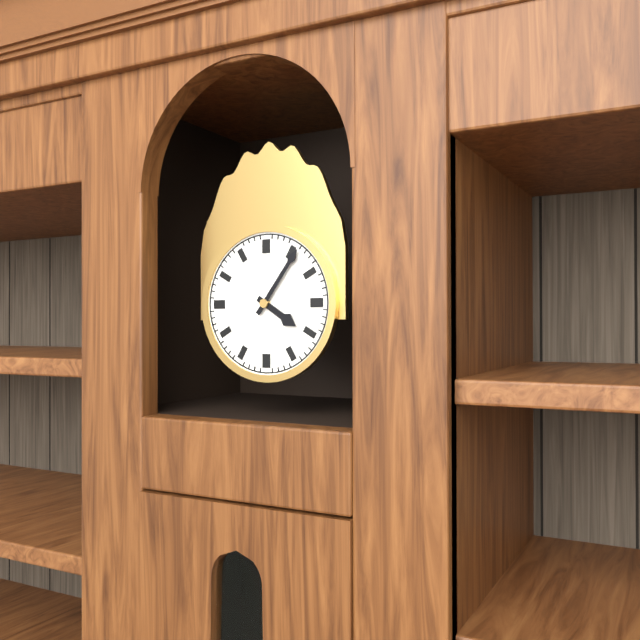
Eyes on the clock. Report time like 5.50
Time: 4.06
